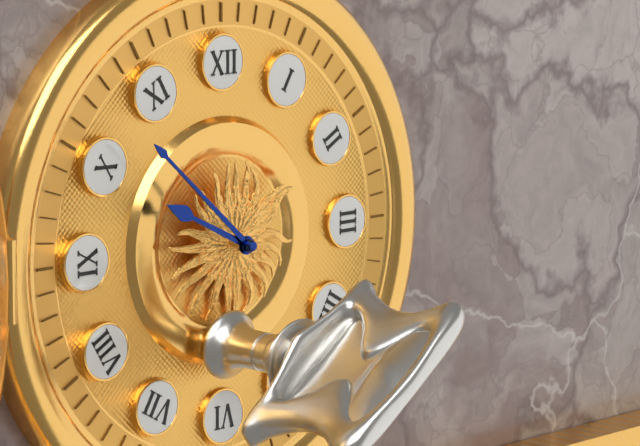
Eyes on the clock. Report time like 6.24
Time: 9.52
